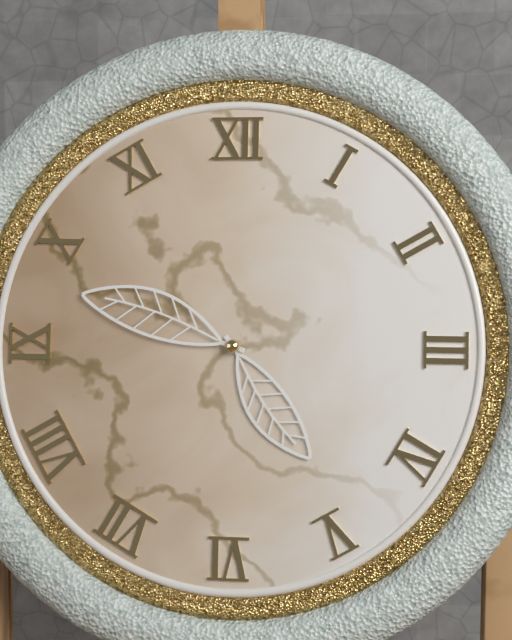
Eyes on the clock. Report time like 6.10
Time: 4.48
